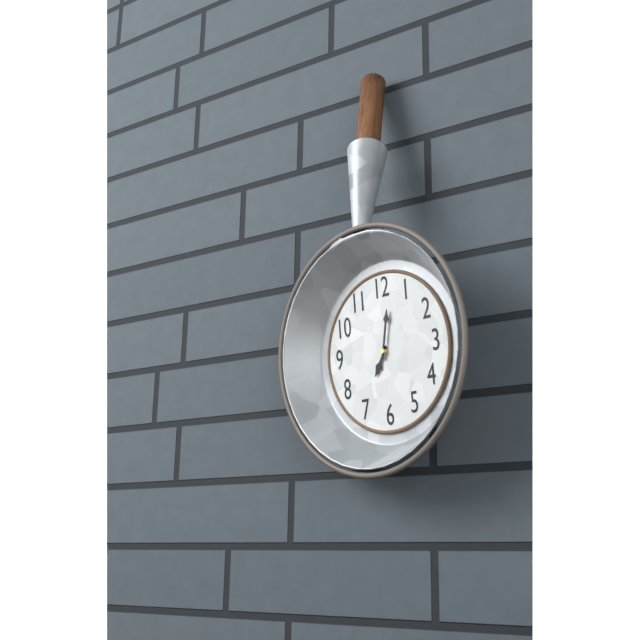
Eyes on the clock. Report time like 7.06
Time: 7.02
